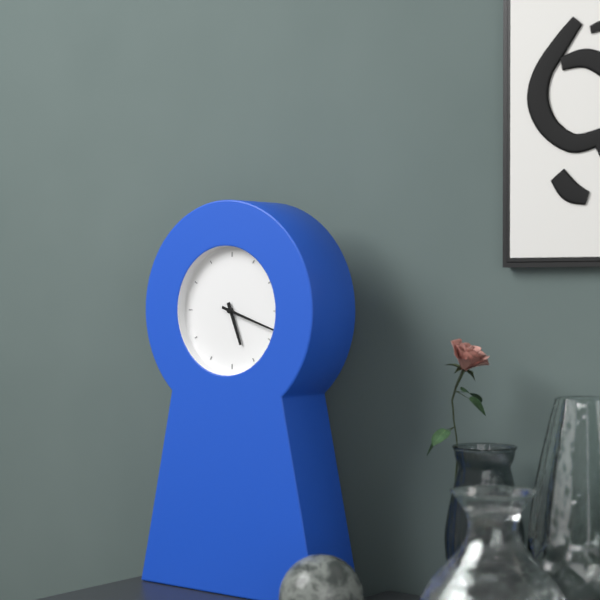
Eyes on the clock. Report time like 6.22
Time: 5.18
